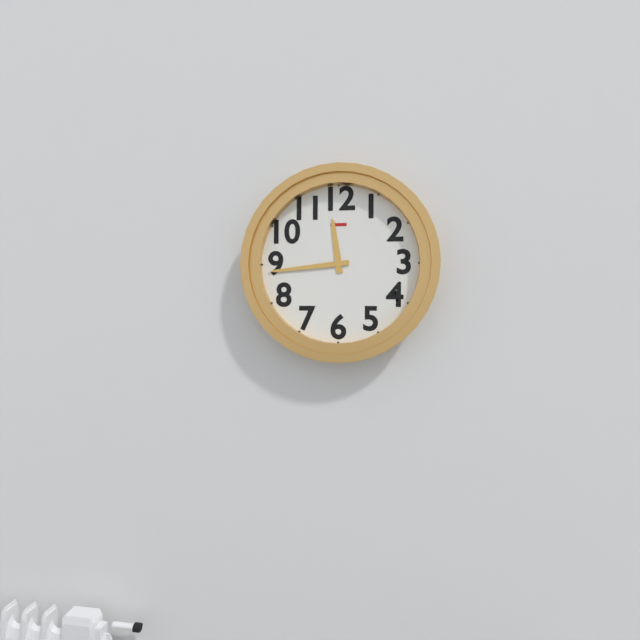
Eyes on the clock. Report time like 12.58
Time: 11.44
